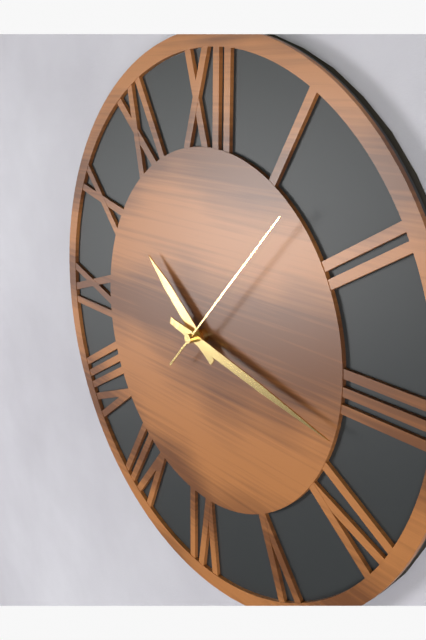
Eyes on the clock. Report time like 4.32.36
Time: 10.17.07
